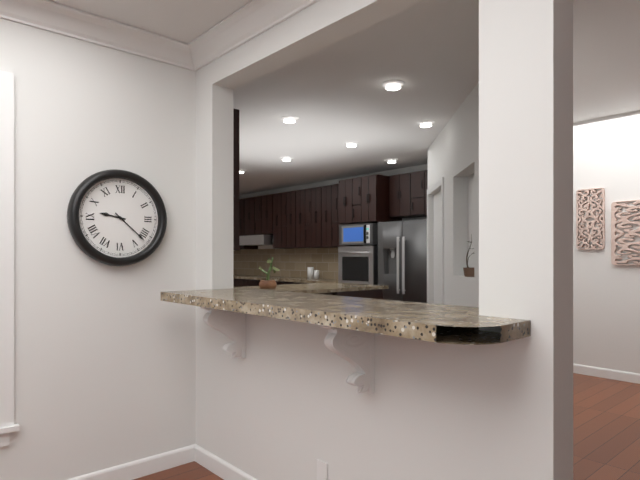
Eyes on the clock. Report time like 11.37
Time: 9.22
